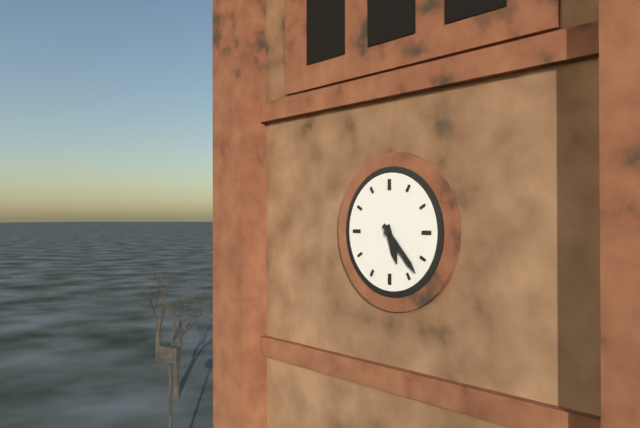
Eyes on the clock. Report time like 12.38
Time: 5.23
